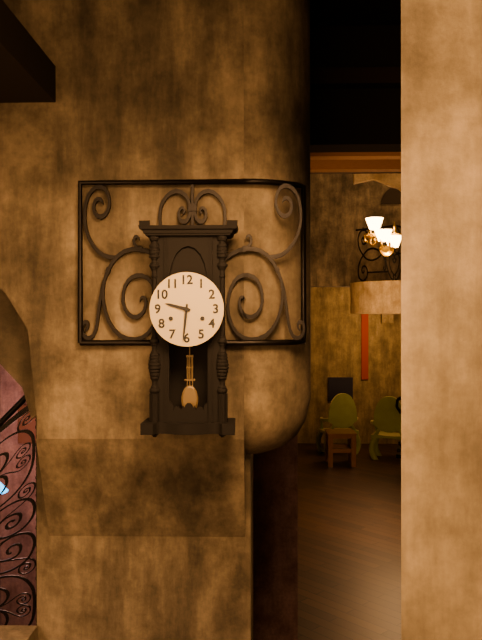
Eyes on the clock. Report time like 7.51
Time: 9.31
